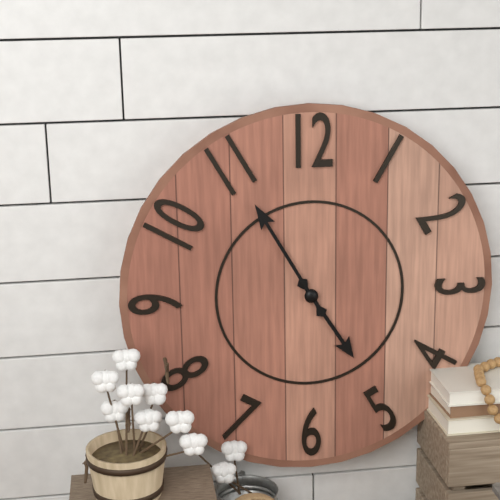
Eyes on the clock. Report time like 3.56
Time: 4.55
